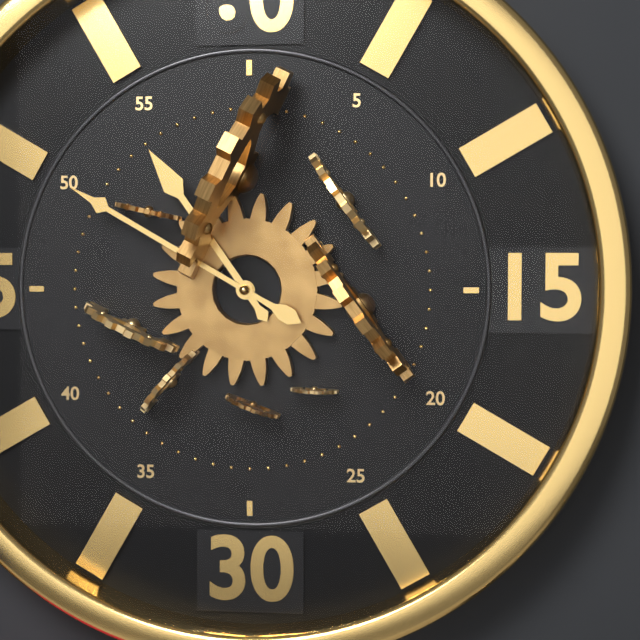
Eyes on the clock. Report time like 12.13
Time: 10.50
